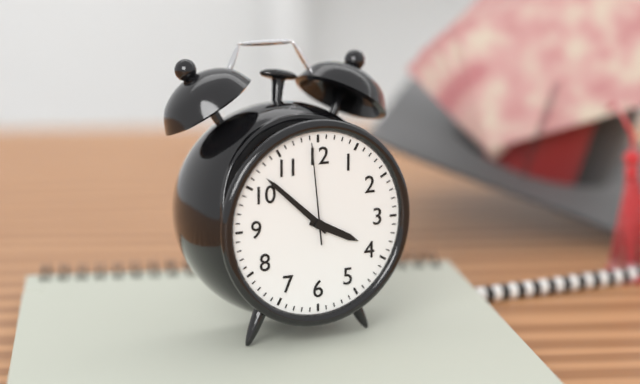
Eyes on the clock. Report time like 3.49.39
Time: 3.52.59
